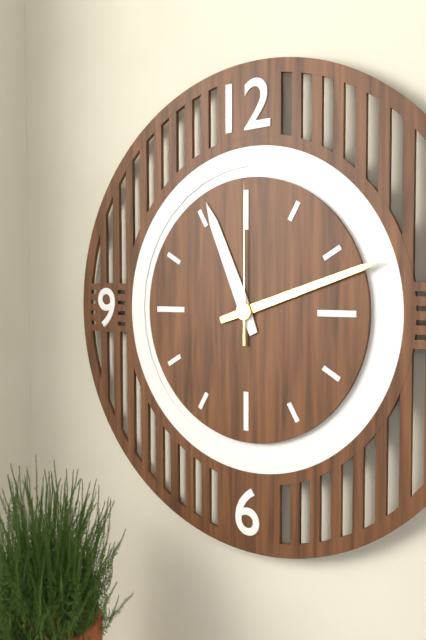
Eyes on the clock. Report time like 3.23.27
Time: 11.12.00
